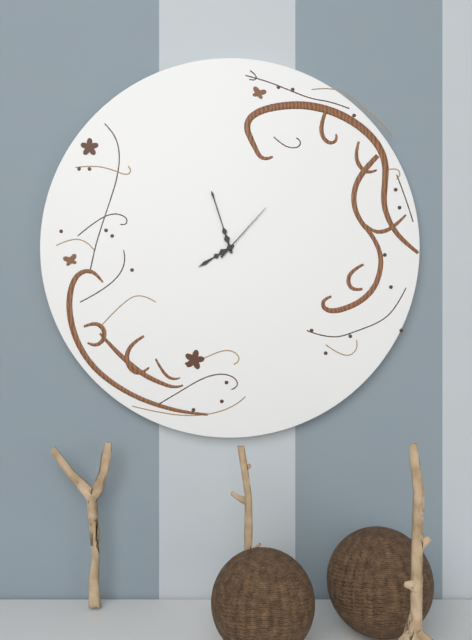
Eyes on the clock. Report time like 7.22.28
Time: 7.57.07
